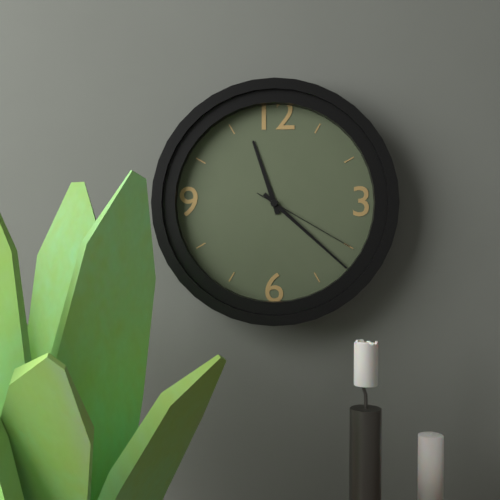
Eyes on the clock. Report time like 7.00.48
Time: 11.22.20
